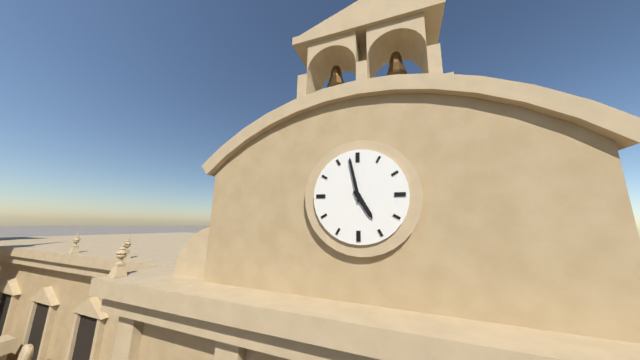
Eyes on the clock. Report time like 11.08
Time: 4.58
